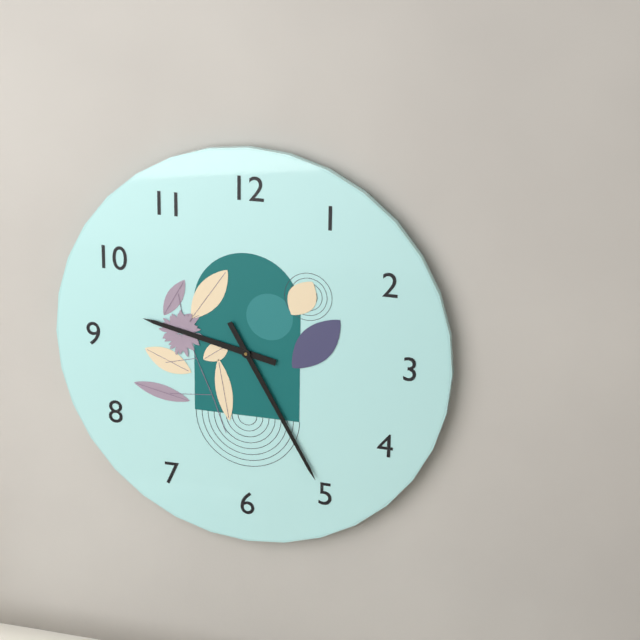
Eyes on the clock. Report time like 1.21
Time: 9.25
